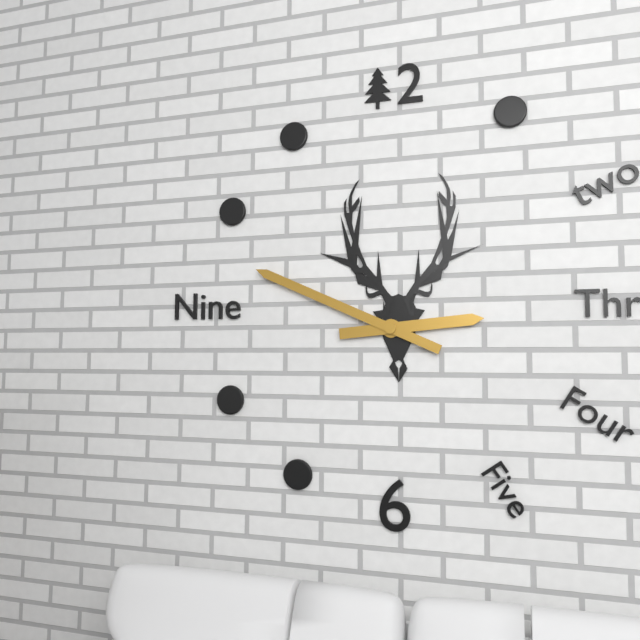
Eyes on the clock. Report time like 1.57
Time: 2.49
